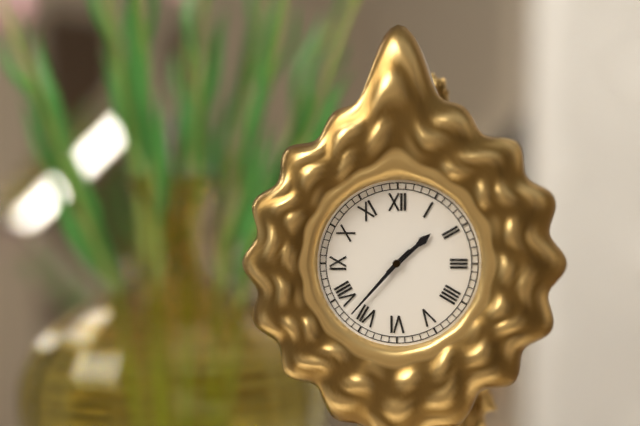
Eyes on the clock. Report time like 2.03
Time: 1.37
